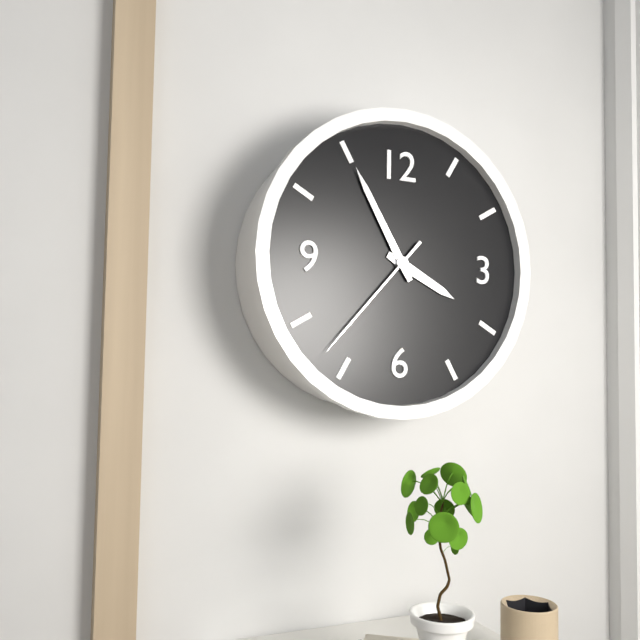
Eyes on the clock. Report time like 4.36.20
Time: 3.55.37
